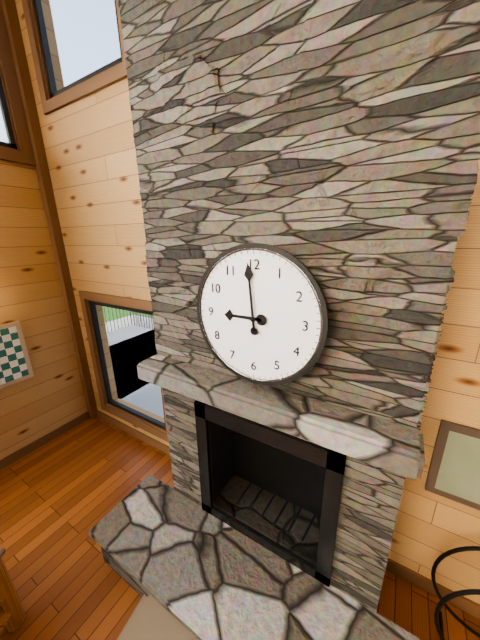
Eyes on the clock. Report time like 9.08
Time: 8.59
